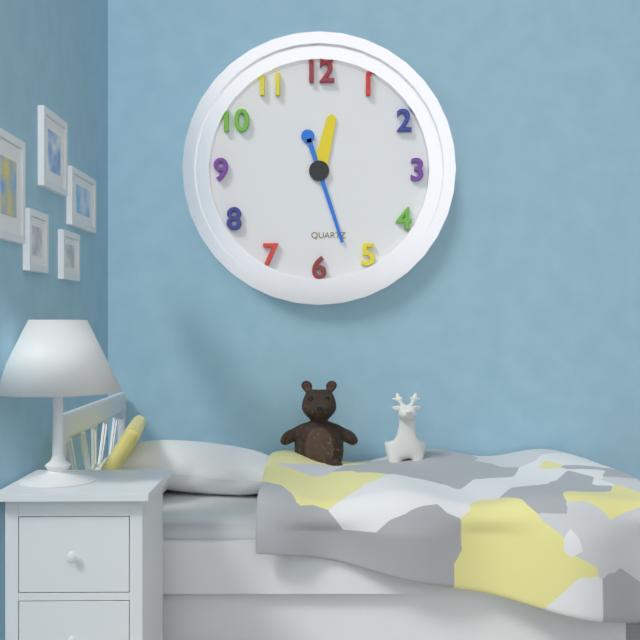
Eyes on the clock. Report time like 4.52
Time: 12.27
